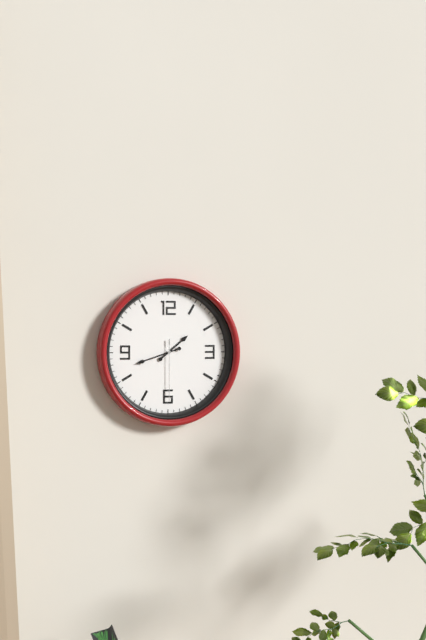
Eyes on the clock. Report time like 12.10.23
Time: 1.42.30
